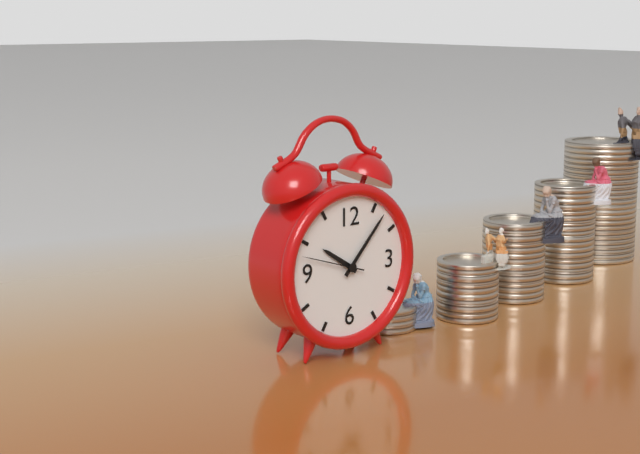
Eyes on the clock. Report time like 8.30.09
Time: 10.07.48
